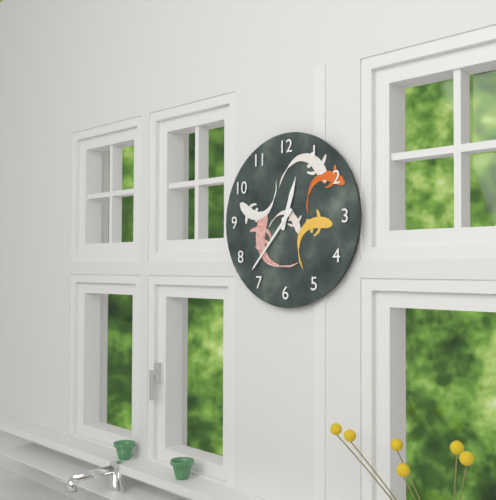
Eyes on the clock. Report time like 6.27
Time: 12.37
